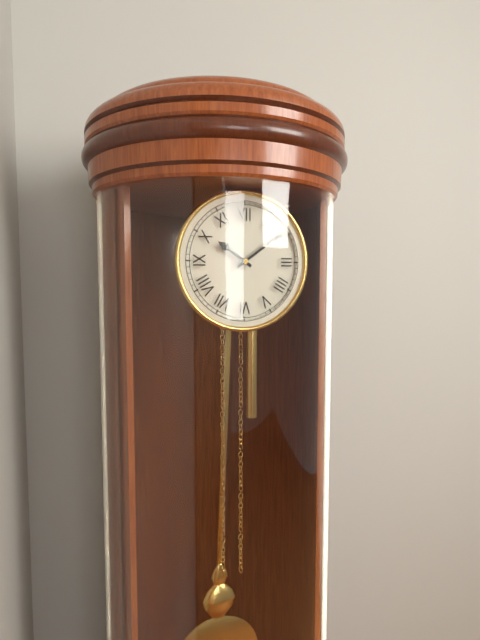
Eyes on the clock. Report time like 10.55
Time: 10.09
